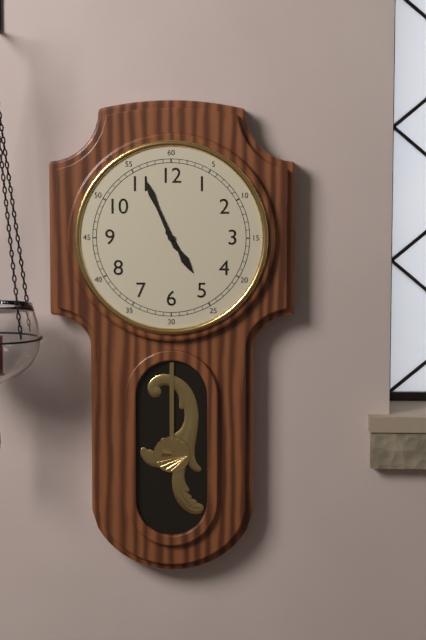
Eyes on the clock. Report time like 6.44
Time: 4.56
